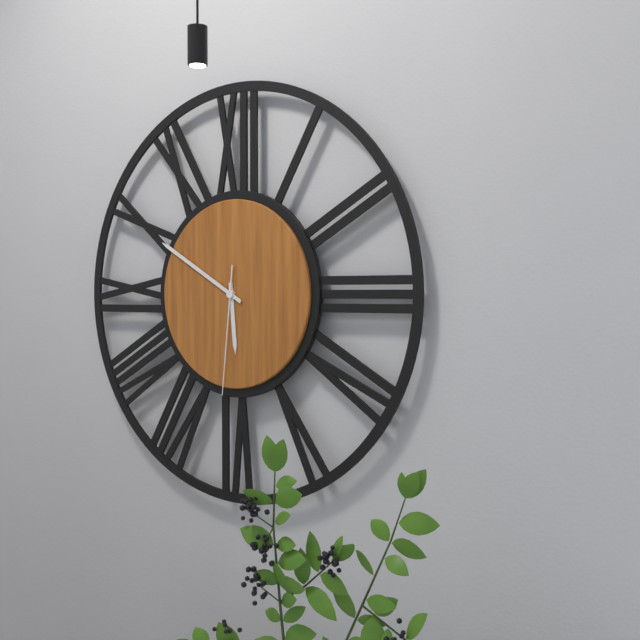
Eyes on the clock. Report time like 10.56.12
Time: 5.50.31
